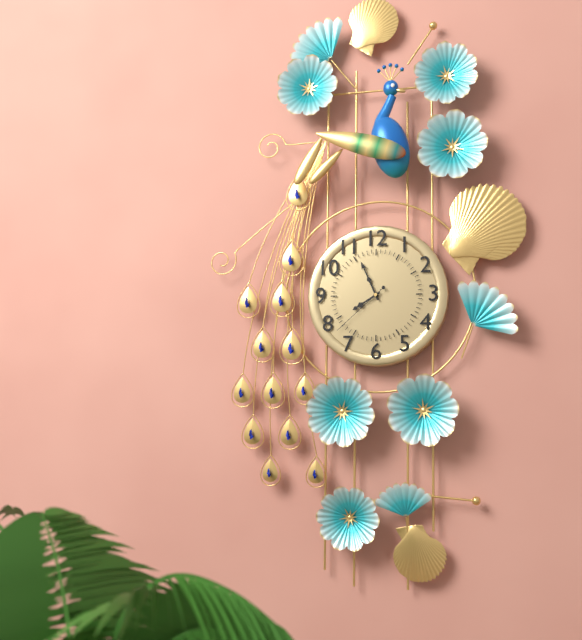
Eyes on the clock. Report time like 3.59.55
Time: 7.56.38
